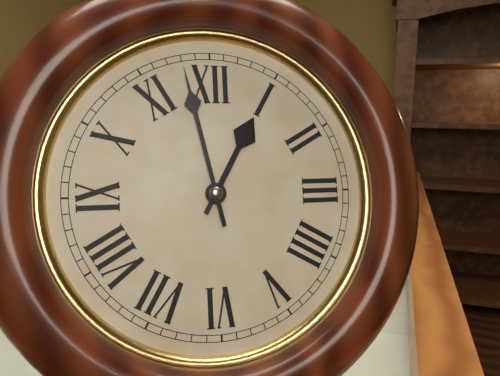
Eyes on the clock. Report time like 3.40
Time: 12.58
